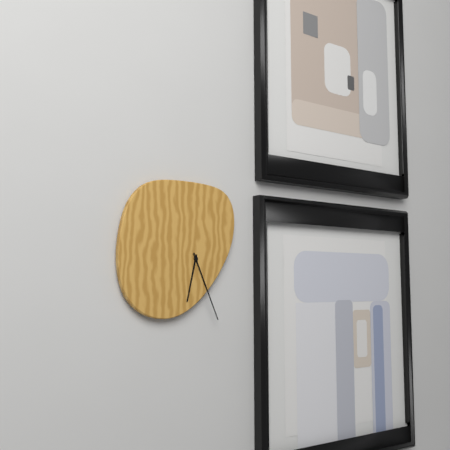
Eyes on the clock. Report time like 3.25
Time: 6.26
